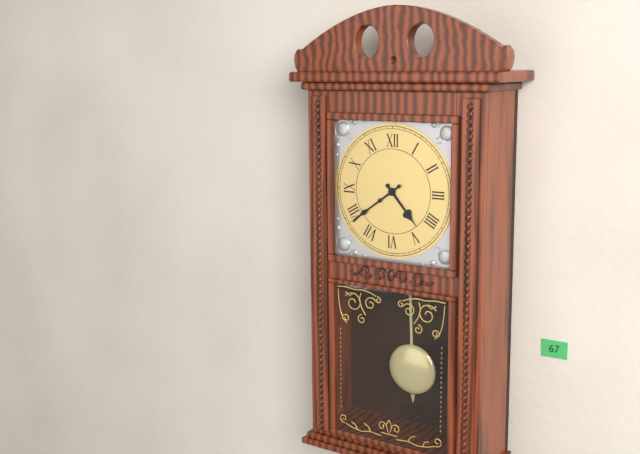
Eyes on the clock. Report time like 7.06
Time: 4.39
